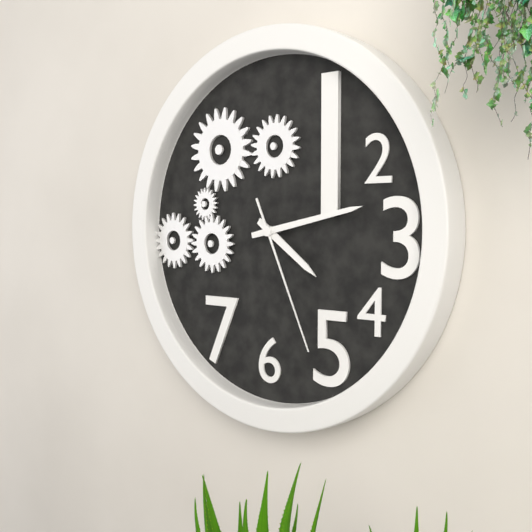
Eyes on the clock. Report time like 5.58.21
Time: 4.13.26
